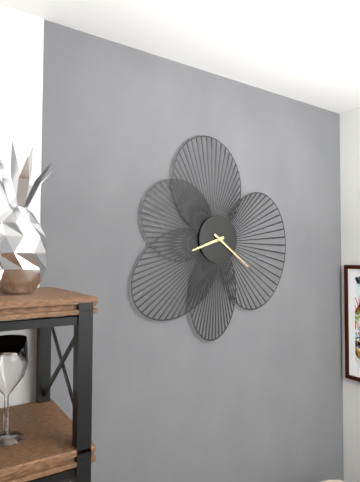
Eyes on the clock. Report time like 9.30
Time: 8.21
